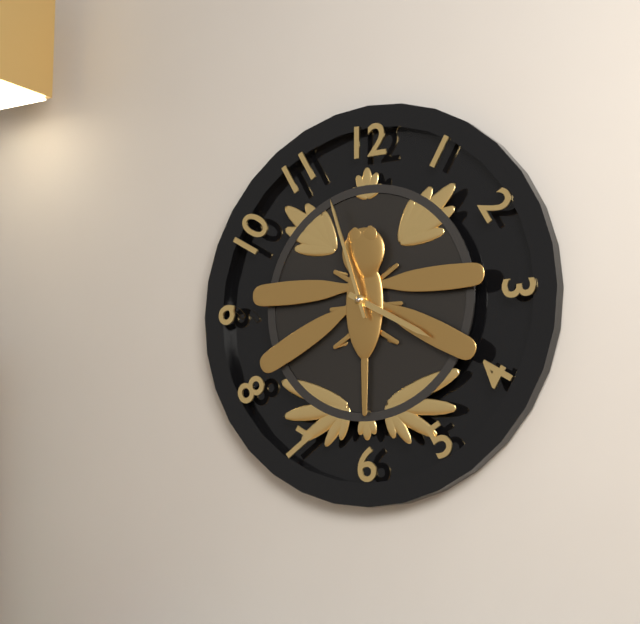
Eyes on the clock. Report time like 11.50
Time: 3.57
